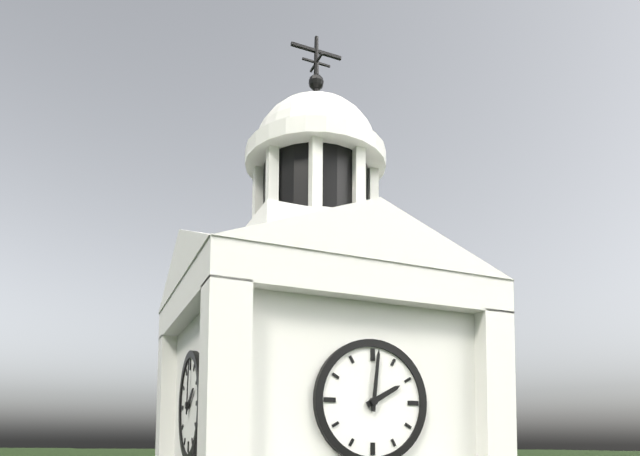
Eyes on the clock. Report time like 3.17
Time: 2.01
